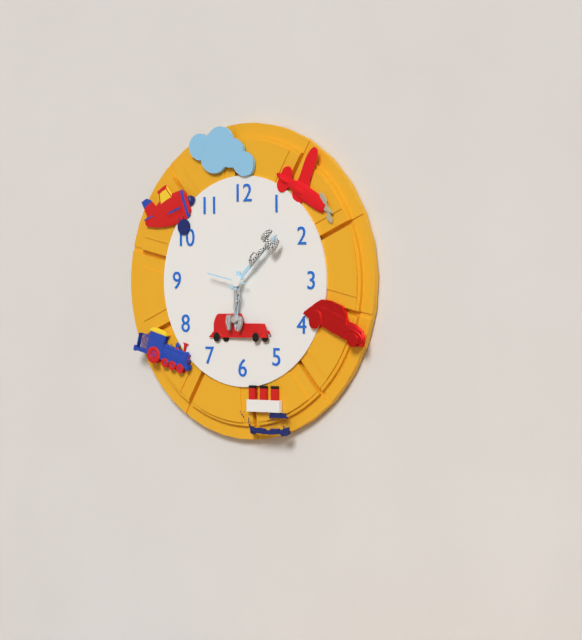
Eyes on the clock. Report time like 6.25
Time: 6.08
